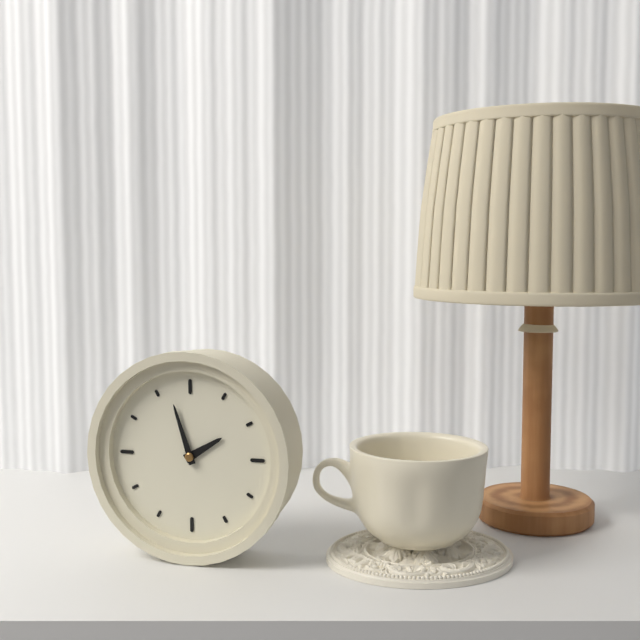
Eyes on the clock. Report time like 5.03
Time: 1.57
